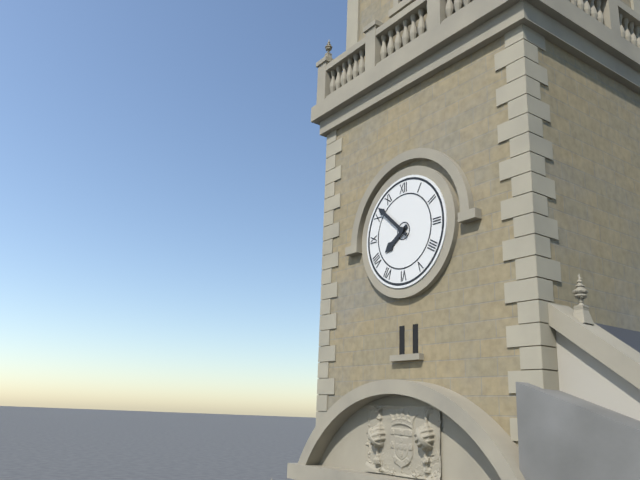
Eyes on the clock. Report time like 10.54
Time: 7.52
